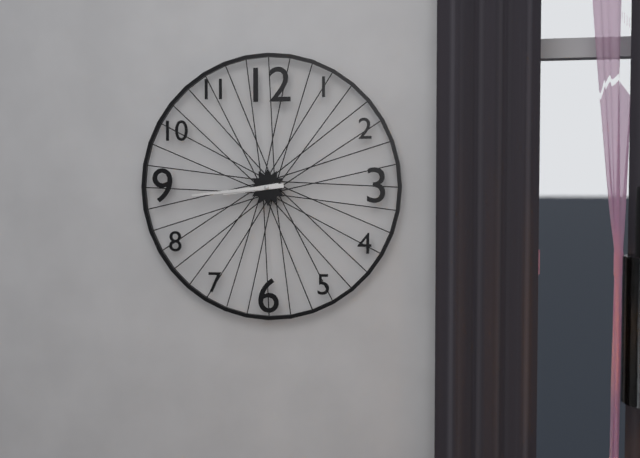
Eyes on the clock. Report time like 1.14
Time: 8.44
